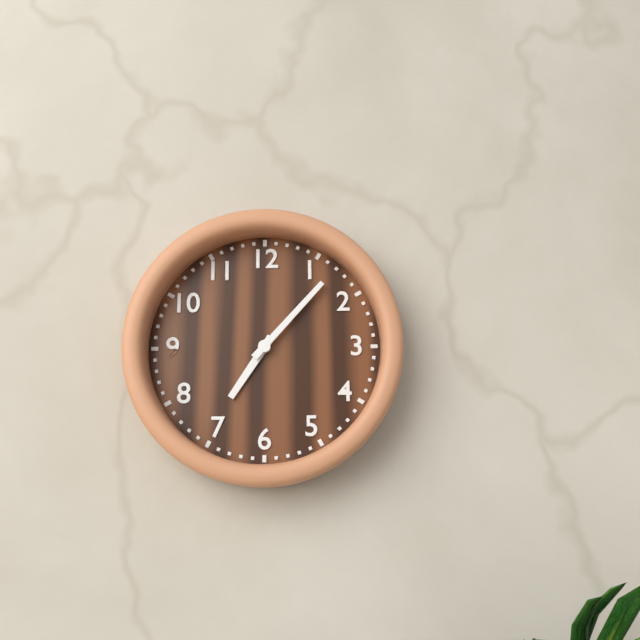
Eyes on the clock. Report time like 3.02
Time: 7.07
